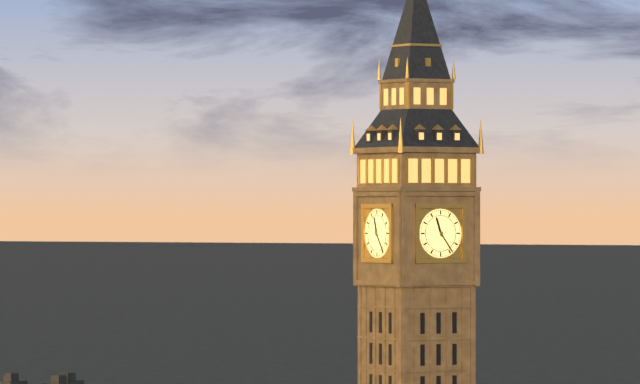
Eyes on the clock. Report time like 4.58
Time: 11.24
